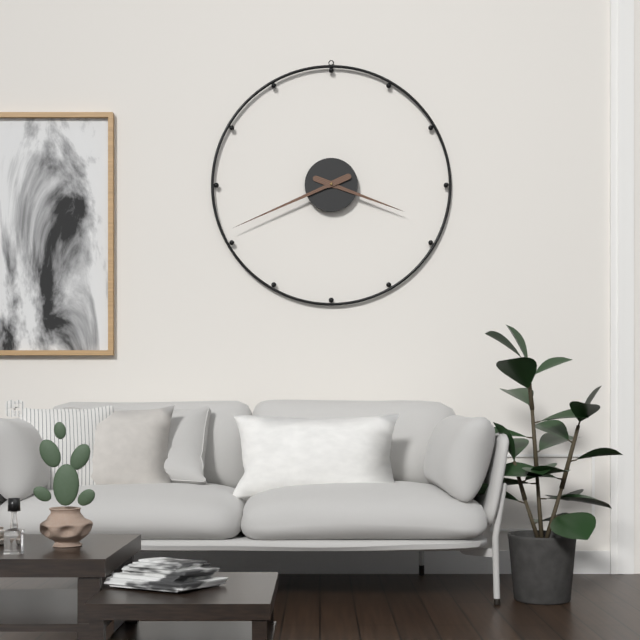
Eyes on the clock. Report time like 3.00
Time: 3.41
